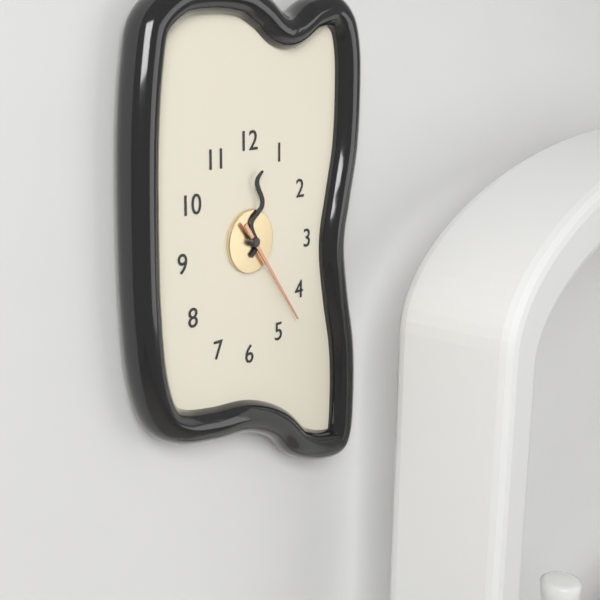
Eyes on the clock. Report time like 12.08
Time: 12.24
